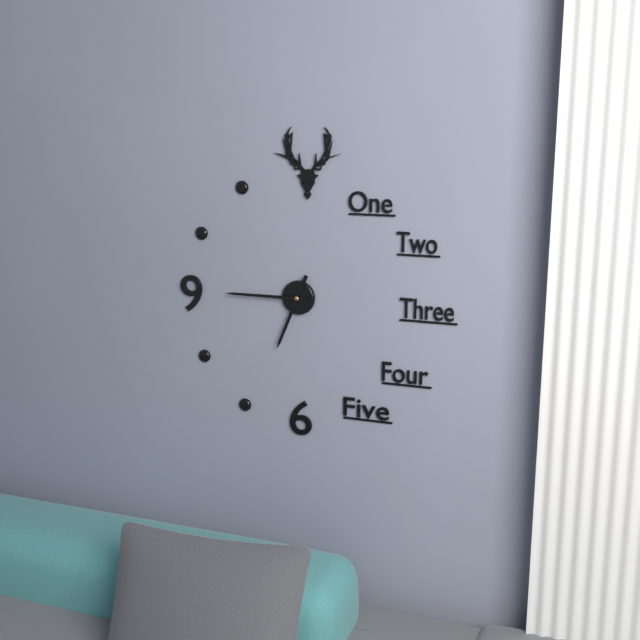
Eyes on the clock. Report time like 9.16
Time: 6.45
